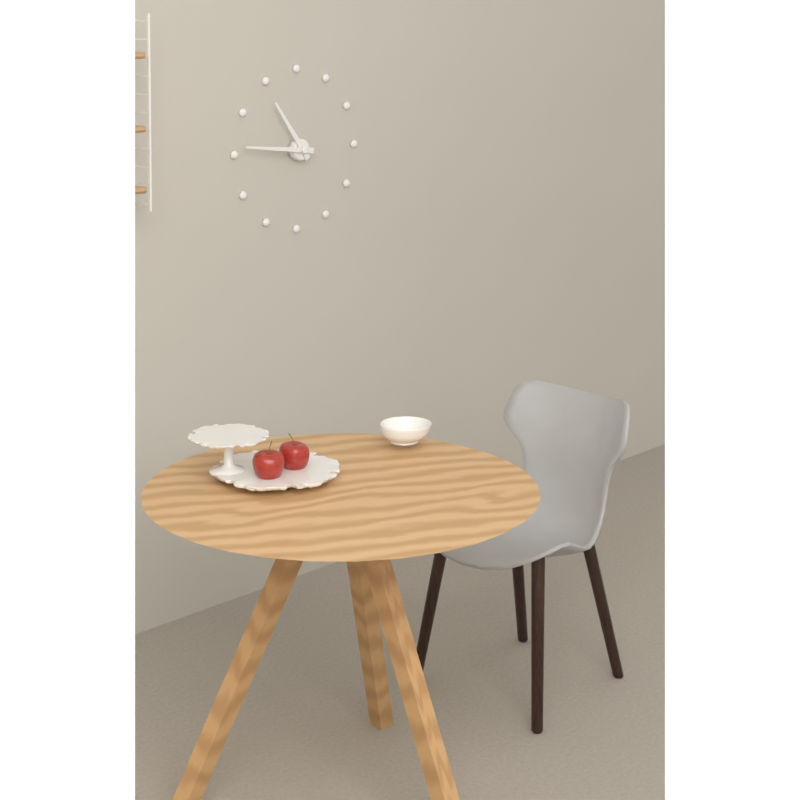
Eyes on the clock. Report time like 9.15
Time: 10.46
